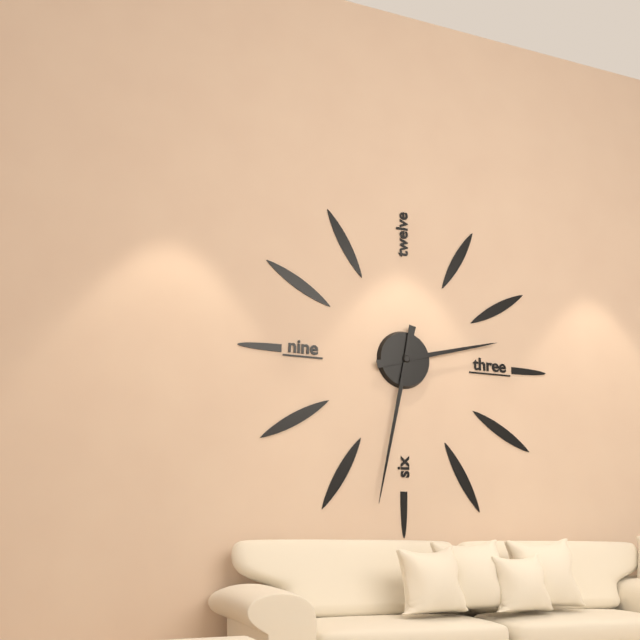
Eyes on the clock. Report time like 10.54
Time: 2.32
